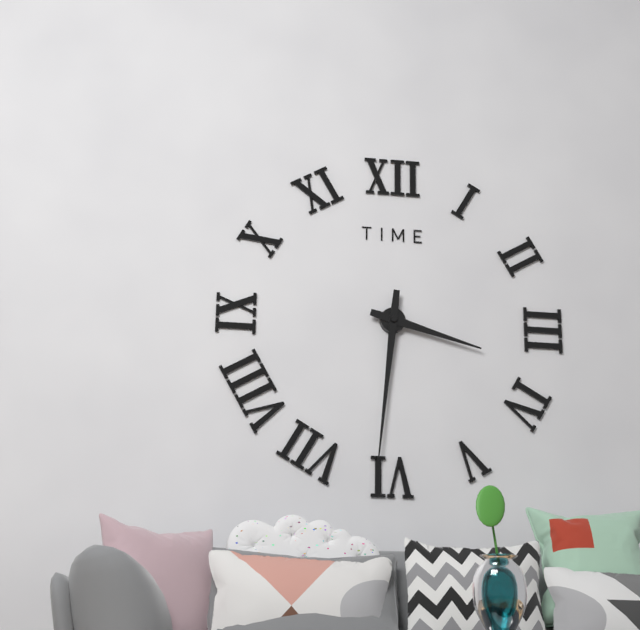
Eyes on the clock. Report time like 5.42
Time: 3.31
